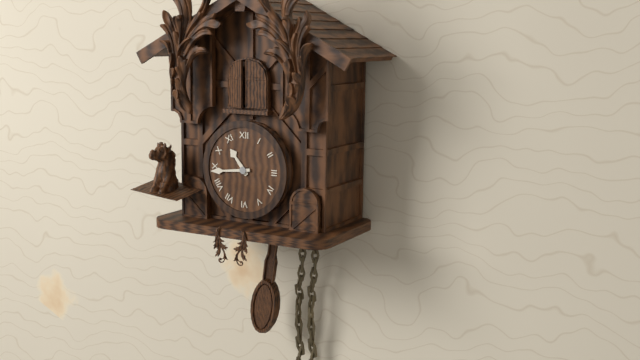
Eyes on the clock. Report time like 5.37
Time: 10.44
